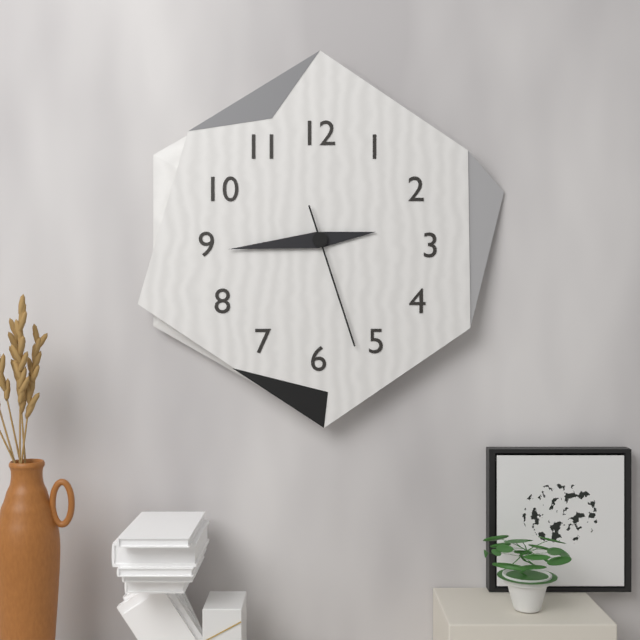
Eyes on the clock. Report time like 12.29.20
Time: 2.44.27
